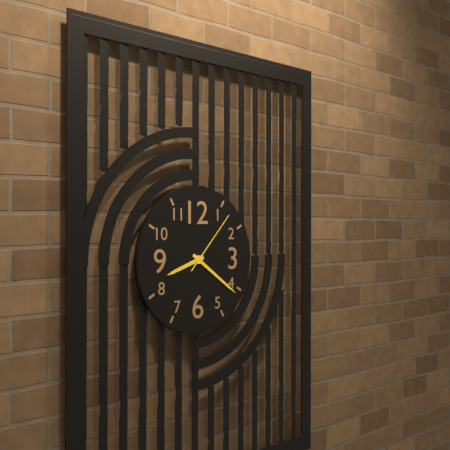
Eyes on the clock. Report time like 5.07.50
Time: 8.21.07
